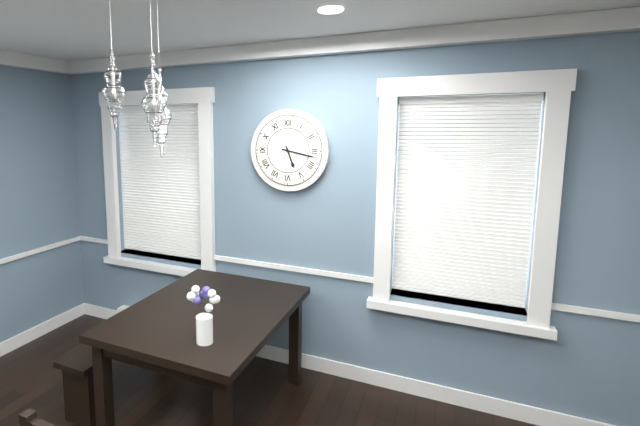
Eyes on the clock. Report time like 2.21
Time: 5.17
